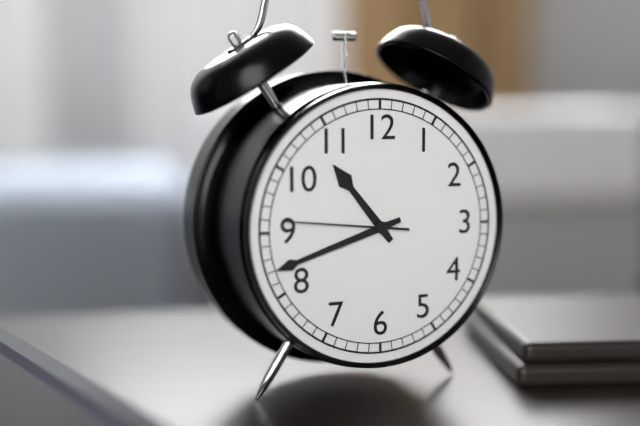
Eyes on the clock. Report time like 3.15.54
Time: 10.42.46
